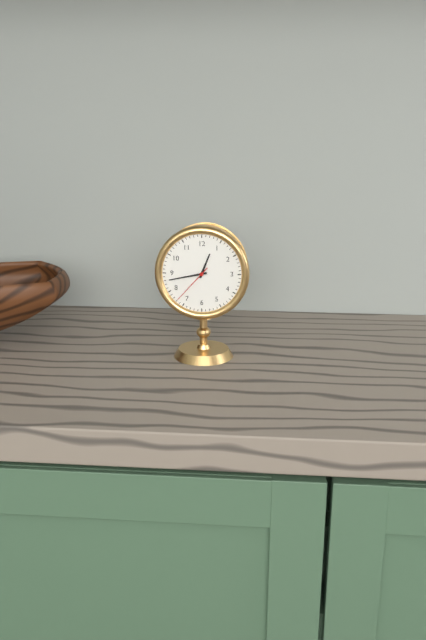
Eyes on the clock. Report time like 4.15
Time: 12.43
